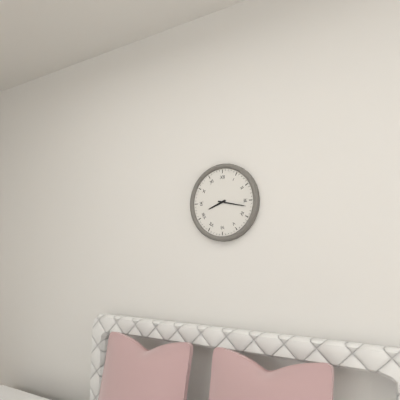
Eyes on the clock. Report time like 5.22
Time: 8.17
